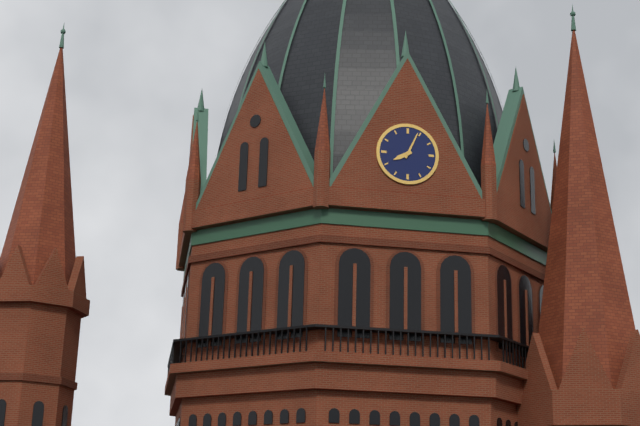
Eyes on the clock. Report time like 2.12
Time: 8.04
